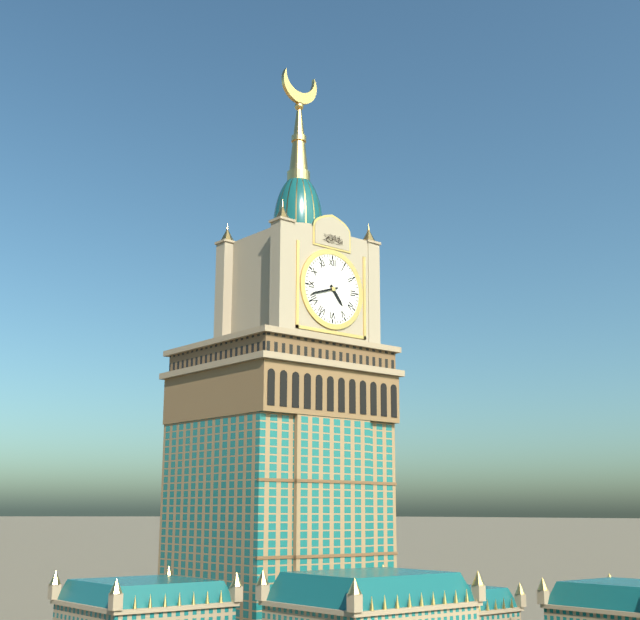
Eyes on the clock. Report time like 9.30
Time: 4.42
